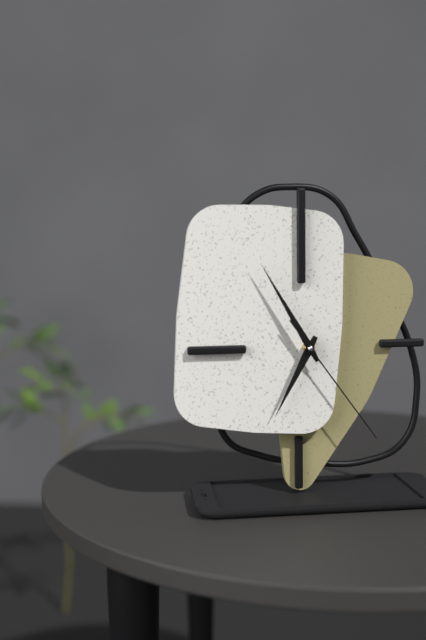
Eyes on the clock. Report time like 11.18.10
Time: 6.55.24
